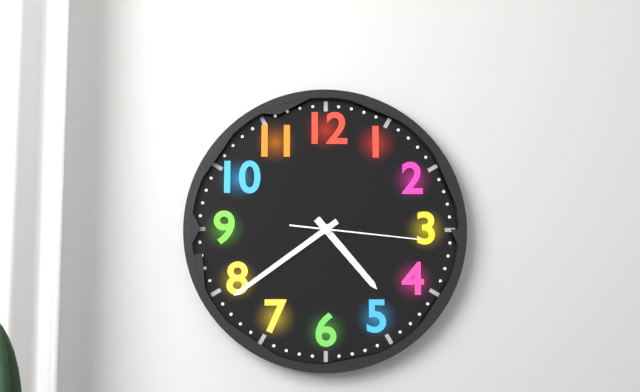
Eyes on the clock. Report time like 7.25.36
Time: 4.39.16
